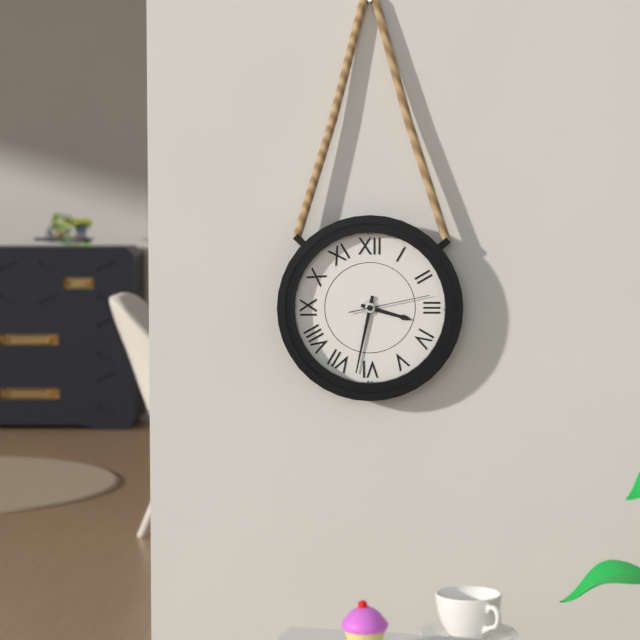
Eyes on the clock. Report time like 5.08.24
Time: 3.32.13
